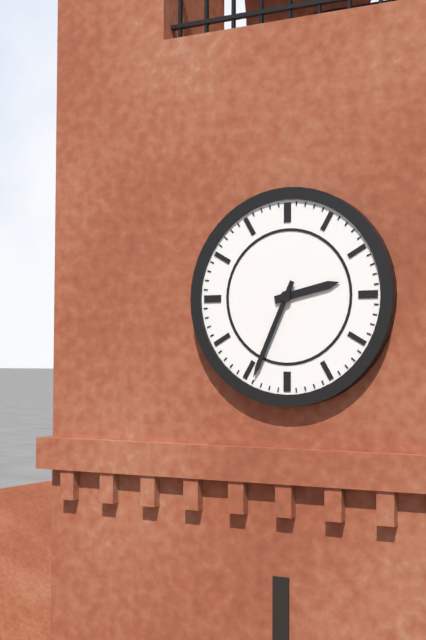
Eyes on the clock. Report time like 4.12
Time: 2.34
